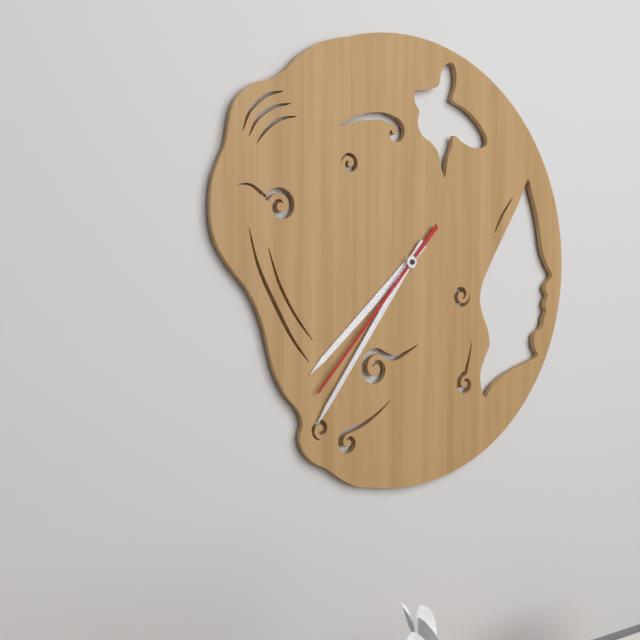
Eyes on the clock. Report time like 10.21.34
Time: 7.36.37
